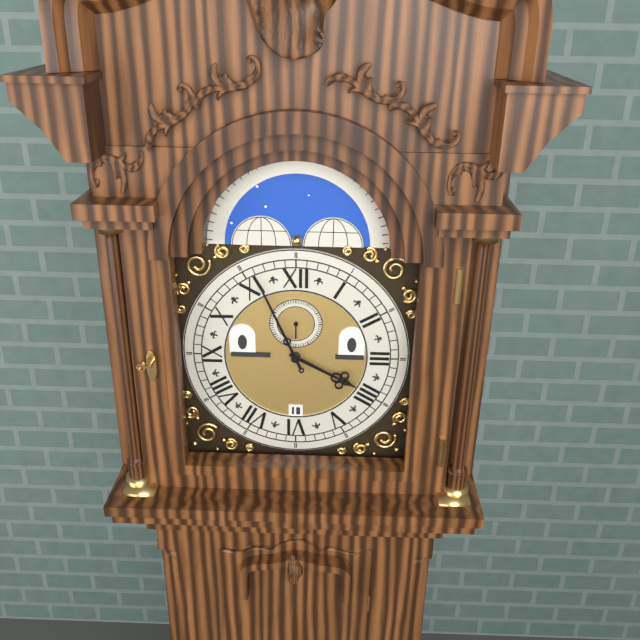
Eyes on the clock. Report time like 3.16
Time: 3.56
